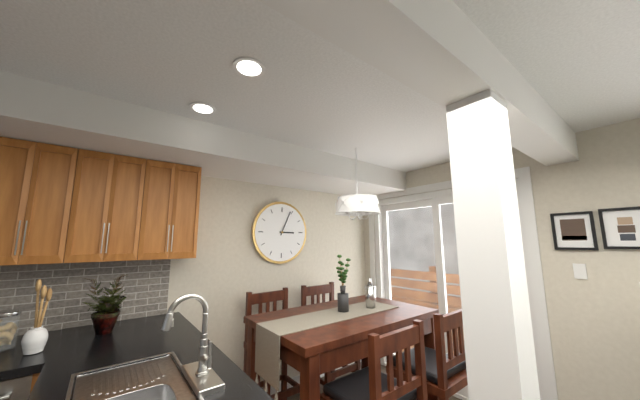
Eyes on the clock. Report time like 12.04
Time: 3.04
